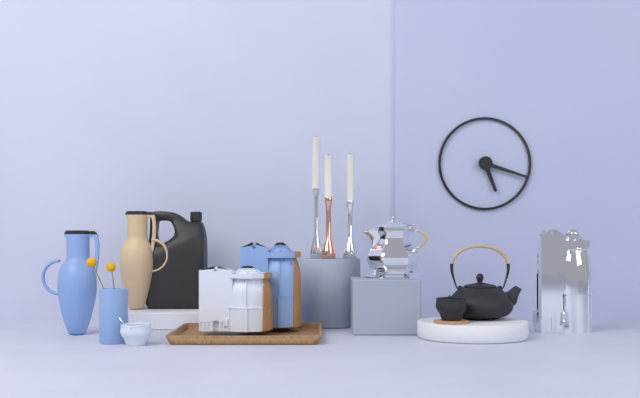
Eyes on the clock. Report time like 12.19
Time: 5.18
